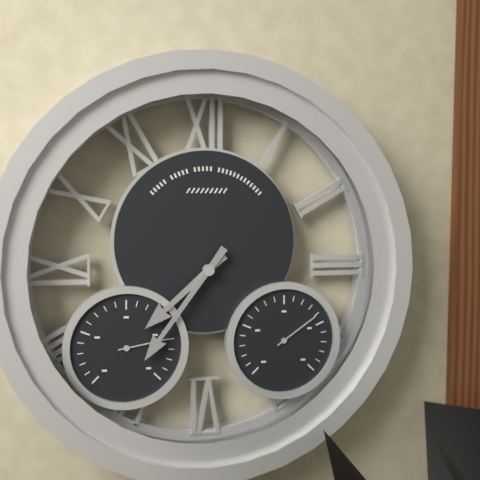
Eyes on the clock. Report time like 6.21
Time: 7.36
